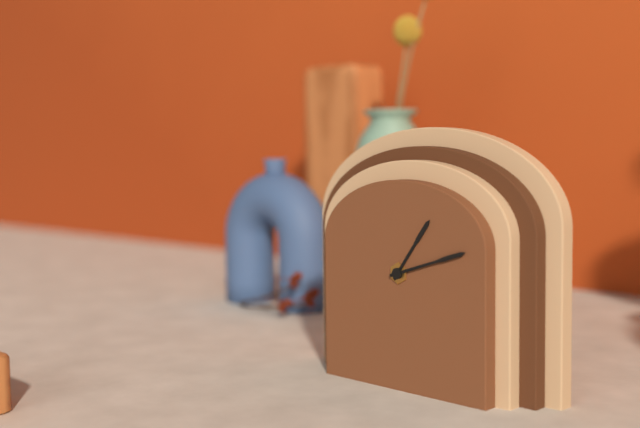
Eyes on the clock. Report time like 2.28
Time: 1.12
